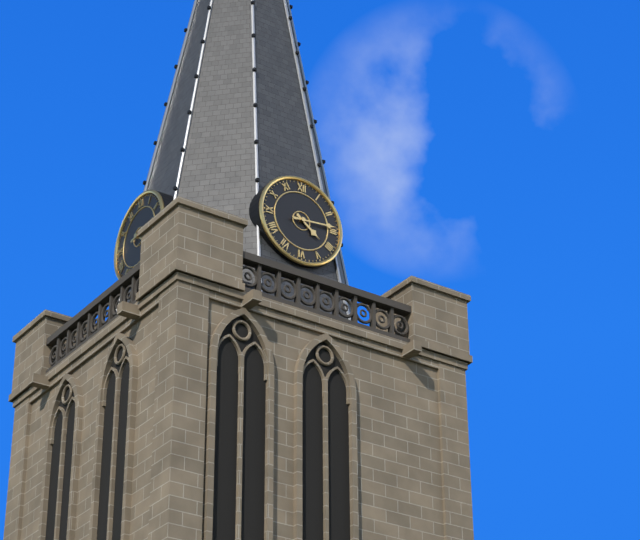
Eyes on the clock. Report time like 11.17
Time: 4.14
